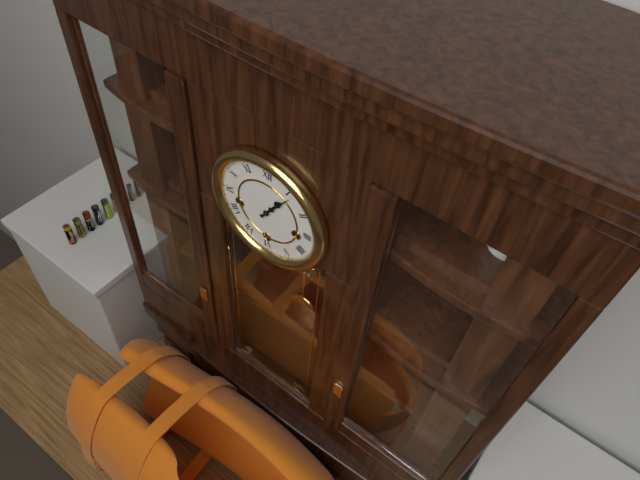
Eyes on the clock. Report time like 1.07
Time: 1.06
